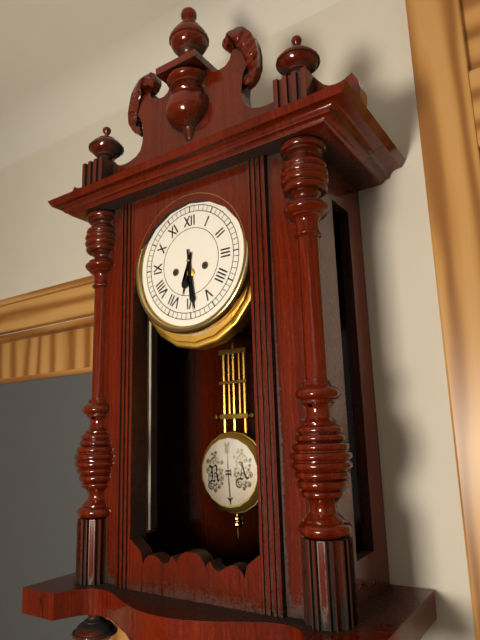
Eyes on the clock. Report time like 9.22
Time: 6.29
